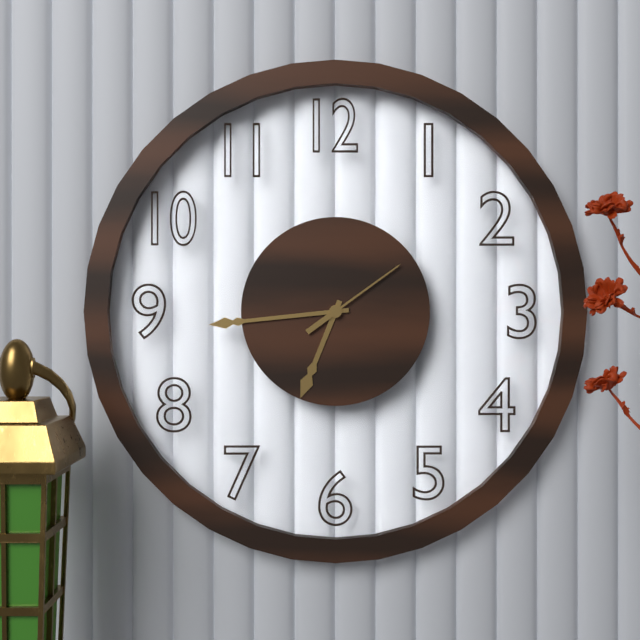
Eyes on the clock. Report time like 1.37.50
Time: 6.44.09
